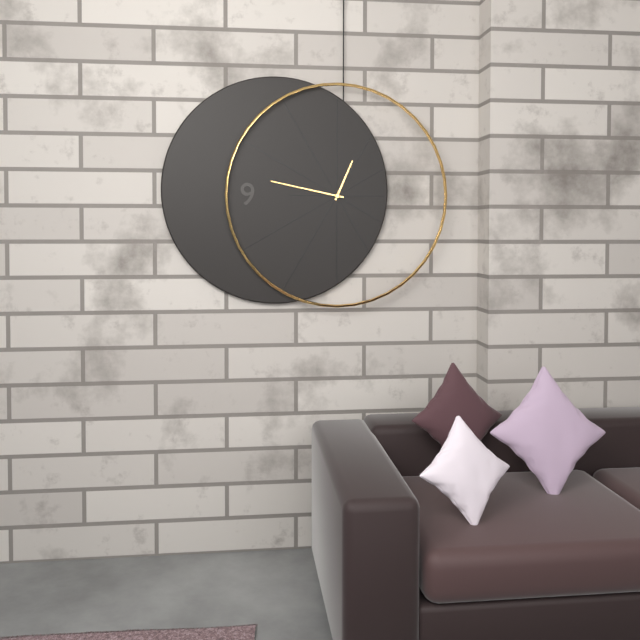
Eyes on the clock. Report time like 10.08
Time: 12.47
